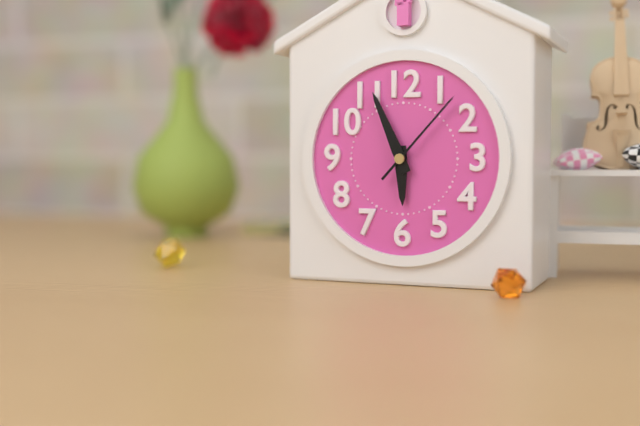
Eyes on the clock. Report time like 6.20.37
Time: 5.56.07
